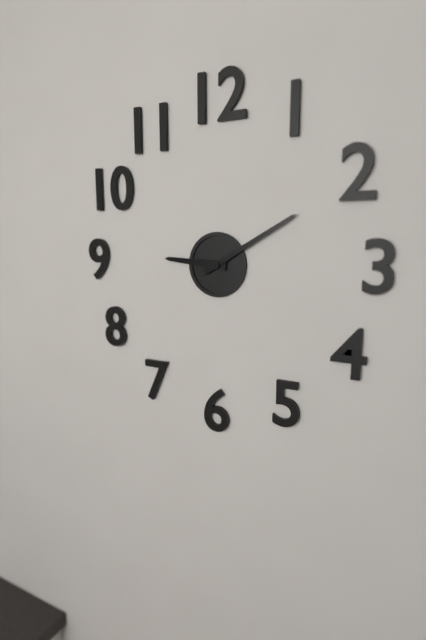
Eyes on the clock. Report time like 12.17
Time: 9.10
